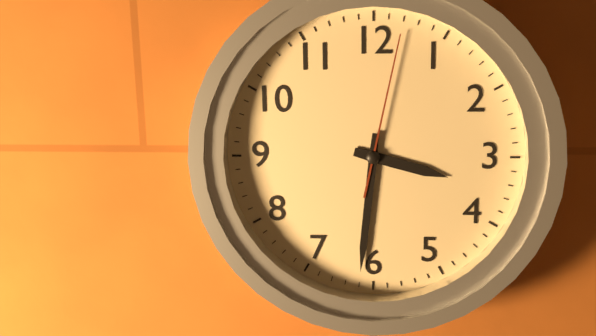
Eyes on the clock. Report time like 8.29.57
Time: 3.31.02
